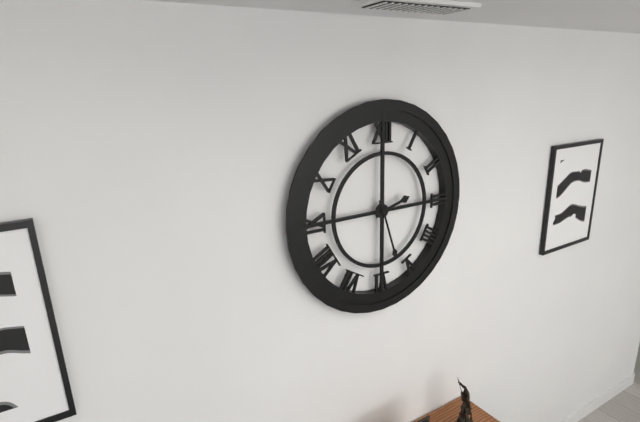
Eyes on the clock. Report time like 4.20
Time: 2.27
